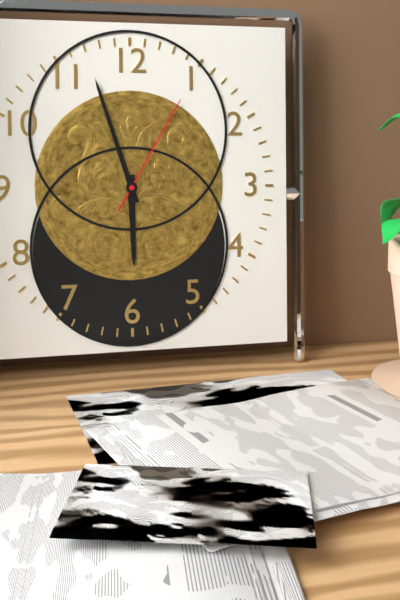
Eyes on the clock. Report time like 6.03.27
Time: 5.57.05
